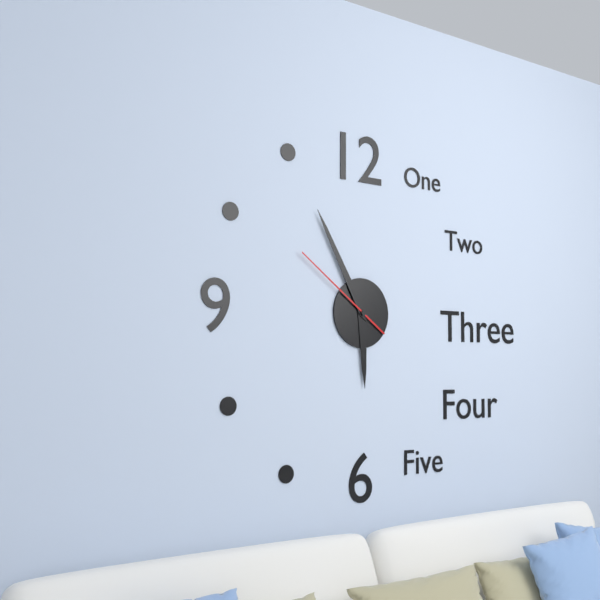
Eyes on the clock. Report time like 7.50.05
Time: 5.55.51
